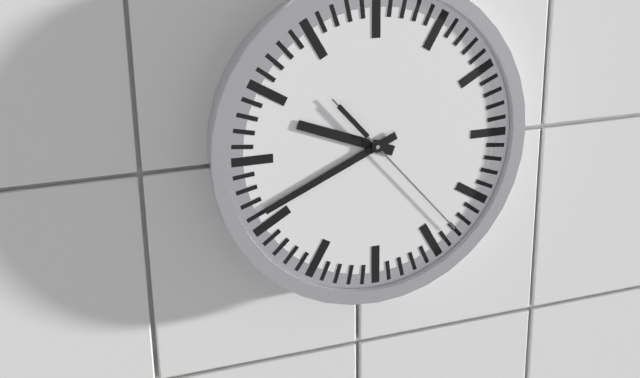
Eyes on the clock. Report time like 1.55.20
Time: 9.41.23
